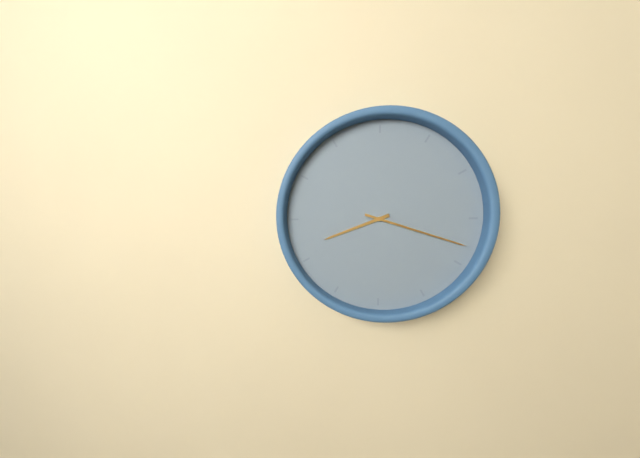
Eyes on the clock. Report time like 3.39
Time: 8.18
